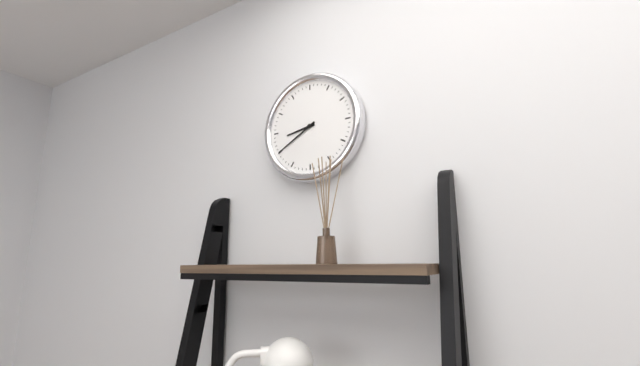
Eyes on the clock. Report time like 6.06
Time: 8.40
